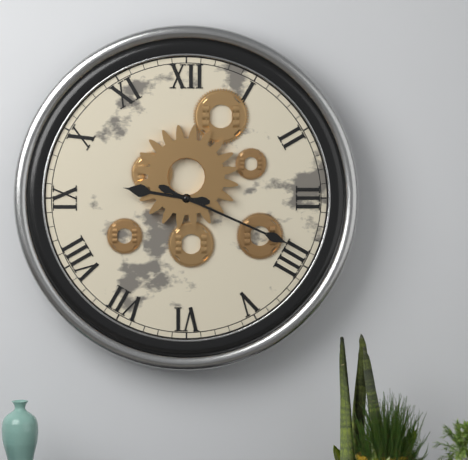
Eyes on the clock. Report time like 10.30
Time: 9.19
